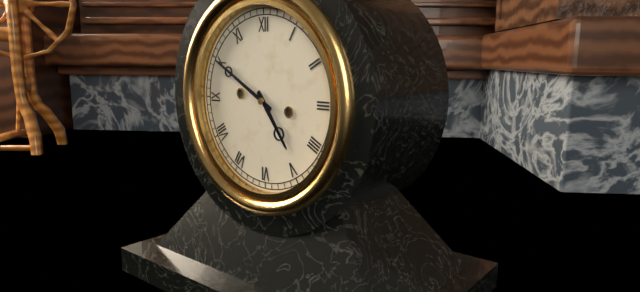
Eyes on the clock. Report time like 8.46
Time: 4.50
